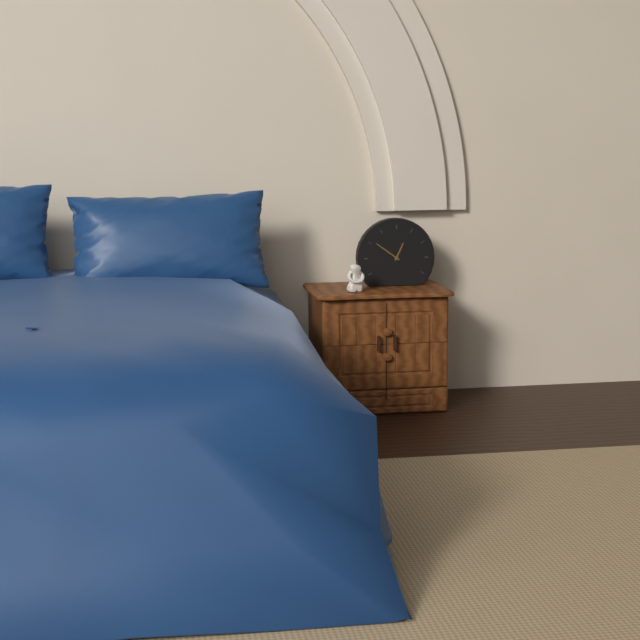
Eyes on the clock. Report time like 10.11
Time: 12.51
